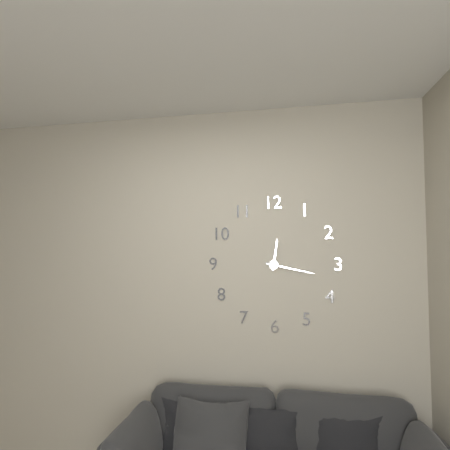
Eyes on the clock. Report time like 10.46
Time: 12.17
